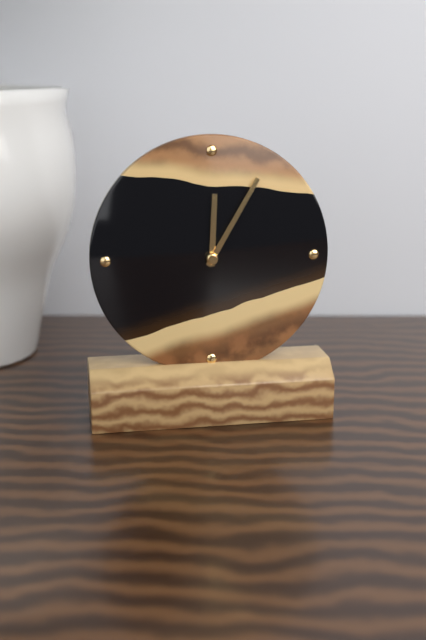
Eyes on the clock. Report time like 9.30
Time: 12.05
